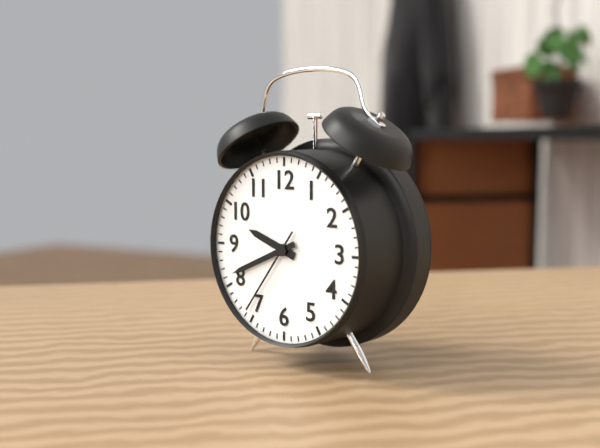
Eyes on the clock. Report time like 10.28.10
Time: 9.41.36
